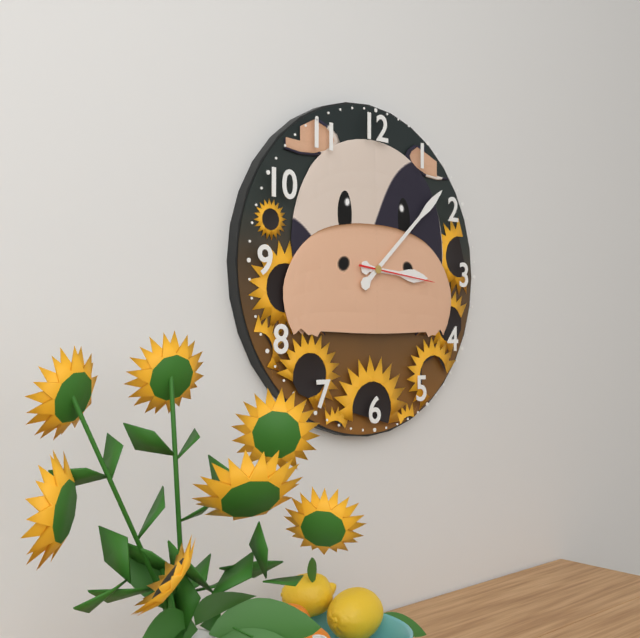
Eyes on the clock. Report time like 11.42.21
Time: 3.08.16
